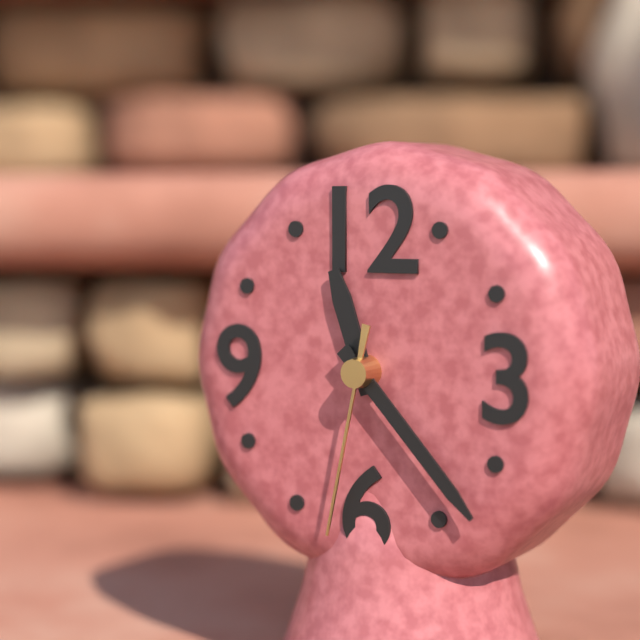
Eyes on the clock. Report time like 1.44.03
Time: 11.23.32
